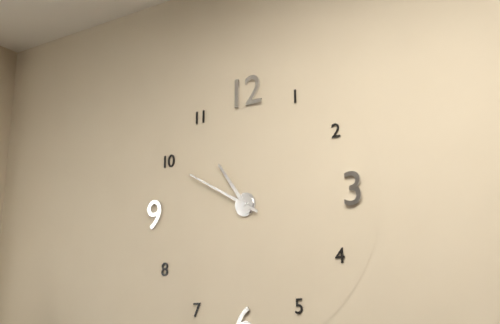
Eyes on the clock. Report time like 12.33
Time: 10.50
